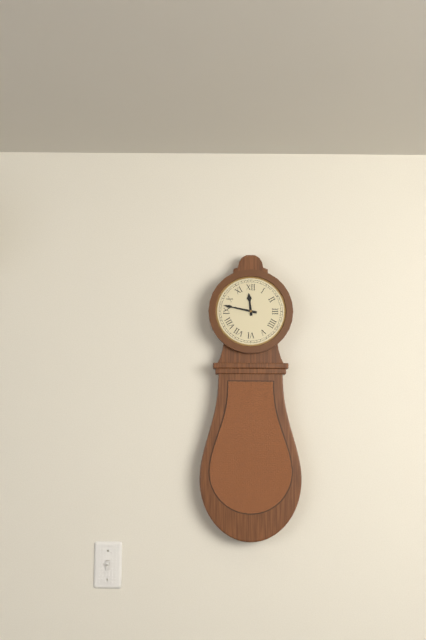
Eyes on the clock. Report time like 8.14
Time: 11.47
